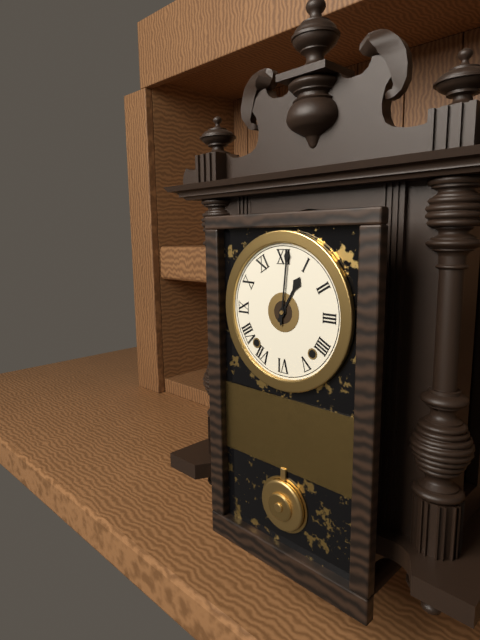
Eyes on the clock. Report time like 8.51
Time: 1.01
